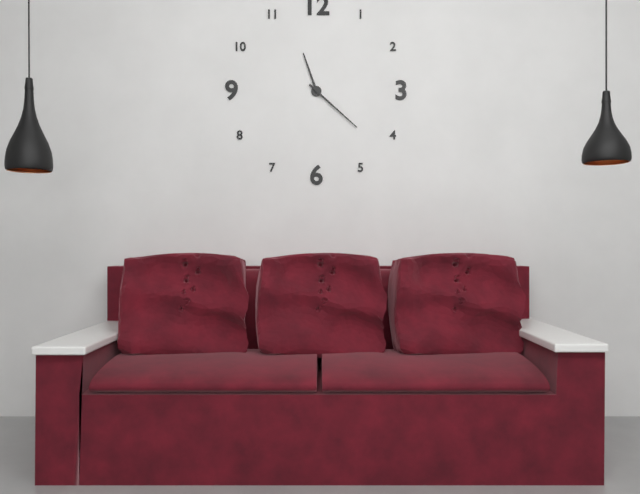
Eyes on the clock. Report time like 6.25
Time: 11.22
